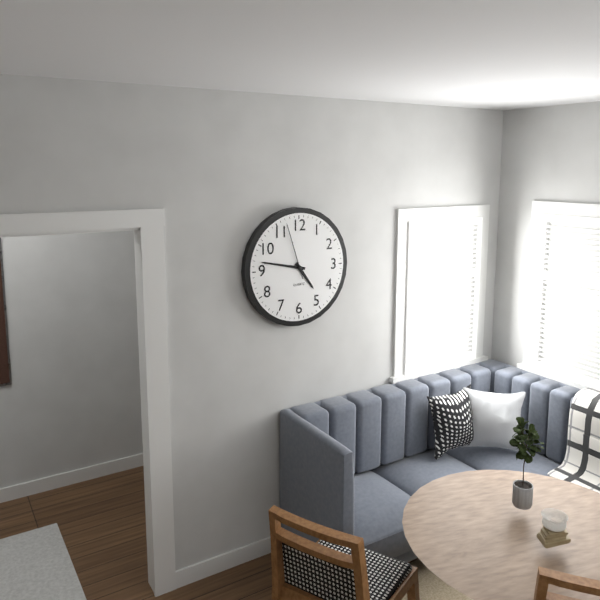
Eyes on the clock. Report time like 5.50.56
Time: 4.47.57
